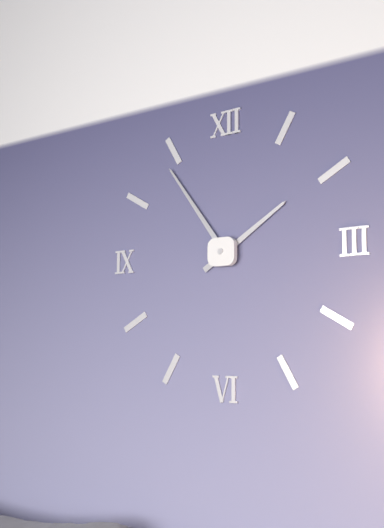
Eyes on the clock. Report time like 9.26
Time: 1.54
